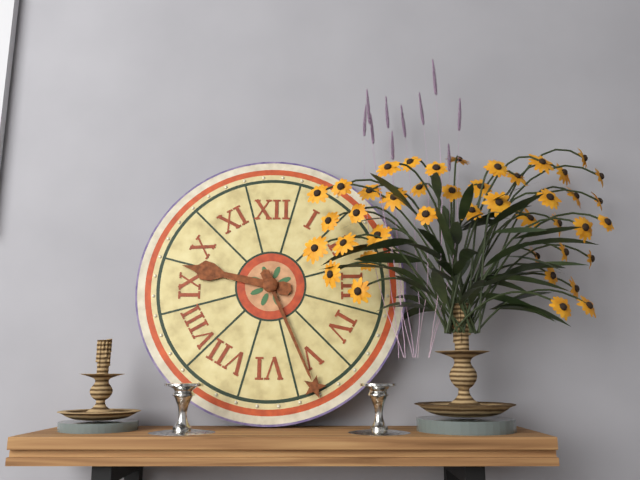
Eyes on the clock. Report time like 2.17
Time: 9.26
